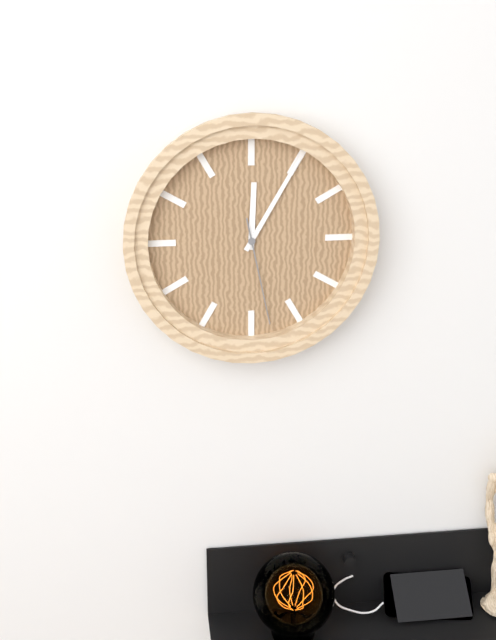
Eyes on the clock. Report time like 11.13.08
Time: 12.05.28
